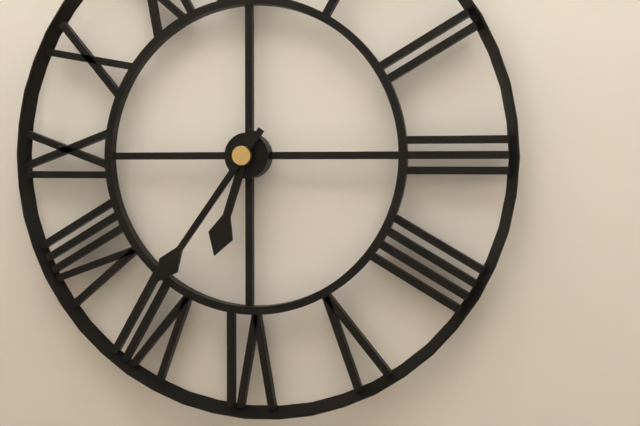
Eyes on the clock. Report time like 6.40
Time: 6.36
